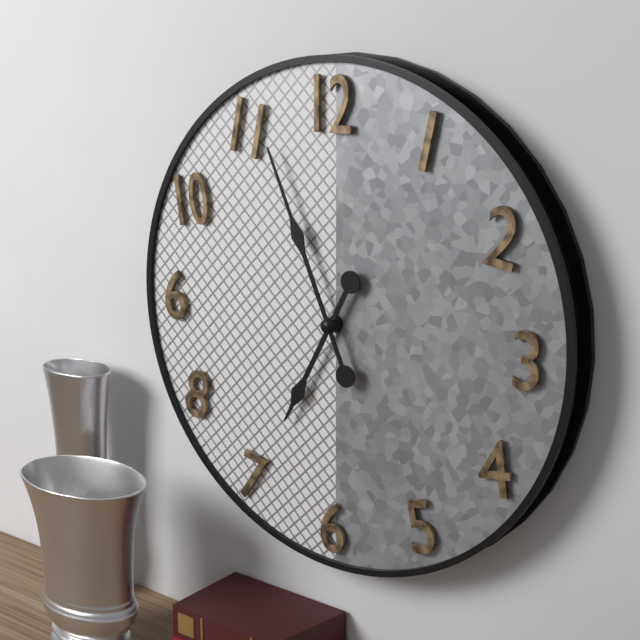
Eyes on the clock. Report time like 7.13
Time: 6.56
